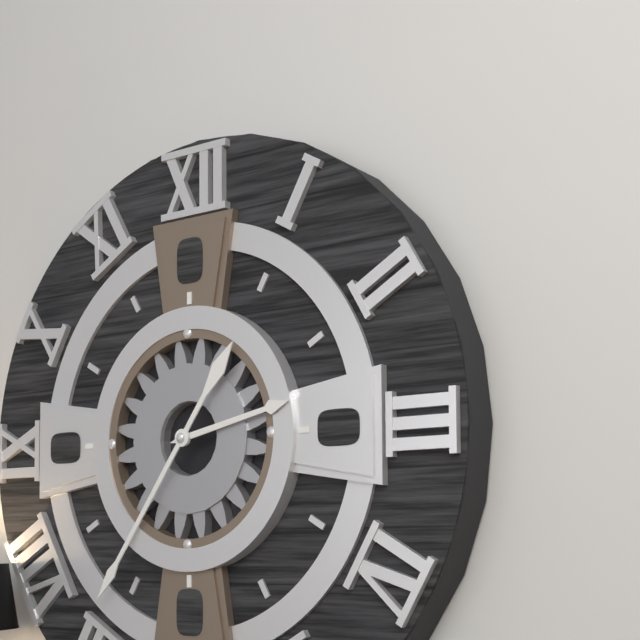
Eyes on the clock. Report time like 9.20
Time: 2.36
